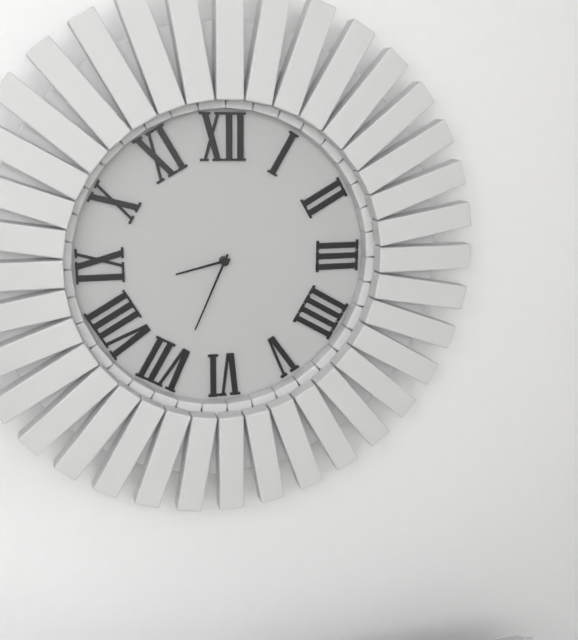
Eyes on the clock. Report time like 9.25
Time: 8.34
